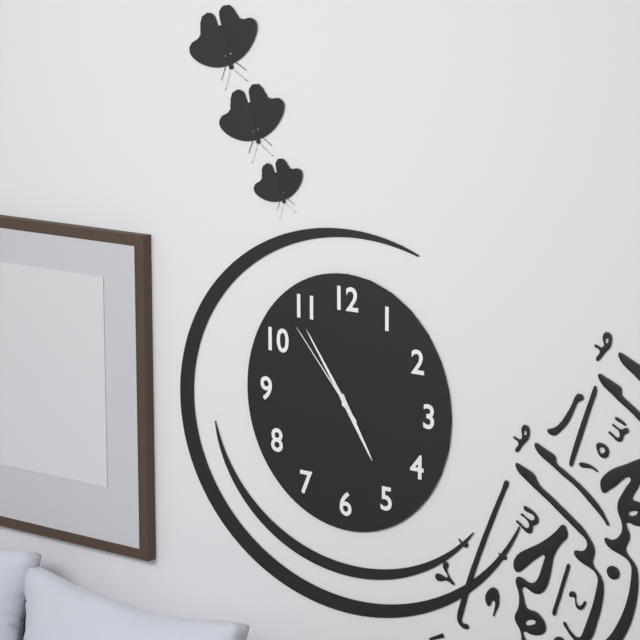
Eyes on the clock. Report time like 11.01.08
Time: 4.54.53
